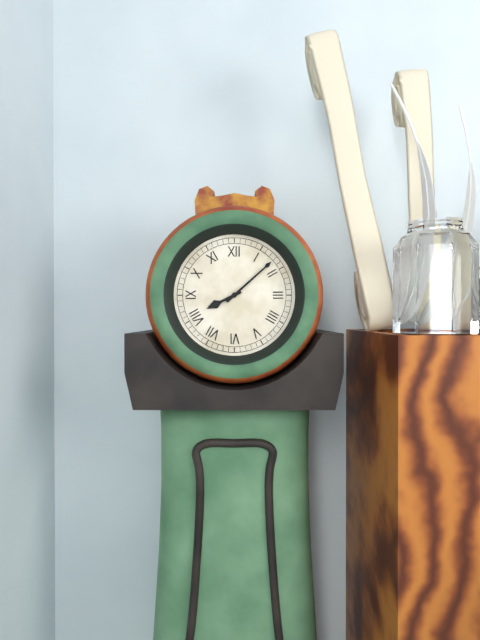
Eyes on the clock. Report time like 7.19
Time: 8.08
